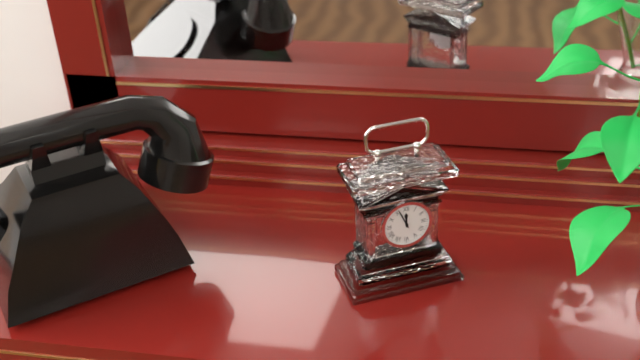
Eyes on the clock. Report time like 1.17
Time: 11.56
